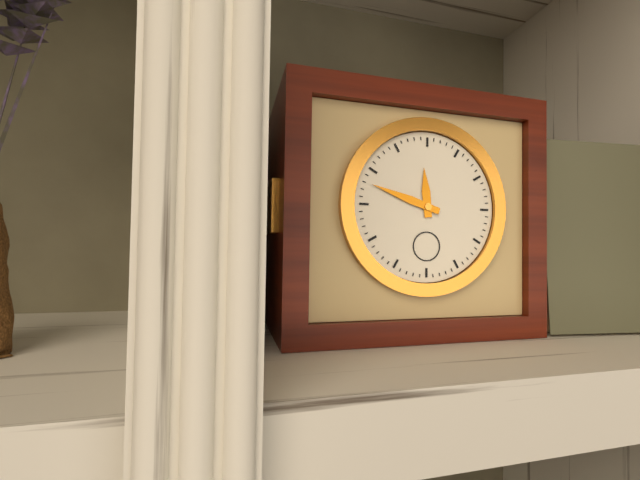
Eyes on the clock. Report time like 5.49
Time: 11.48
